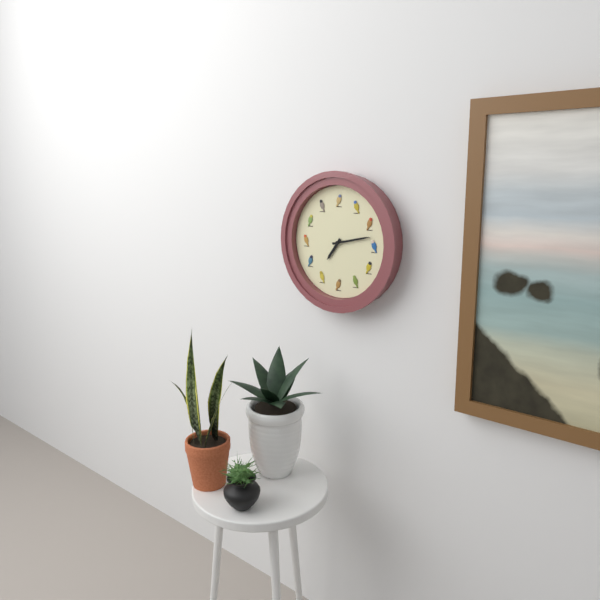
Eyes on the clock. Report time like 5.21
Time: 7.13
